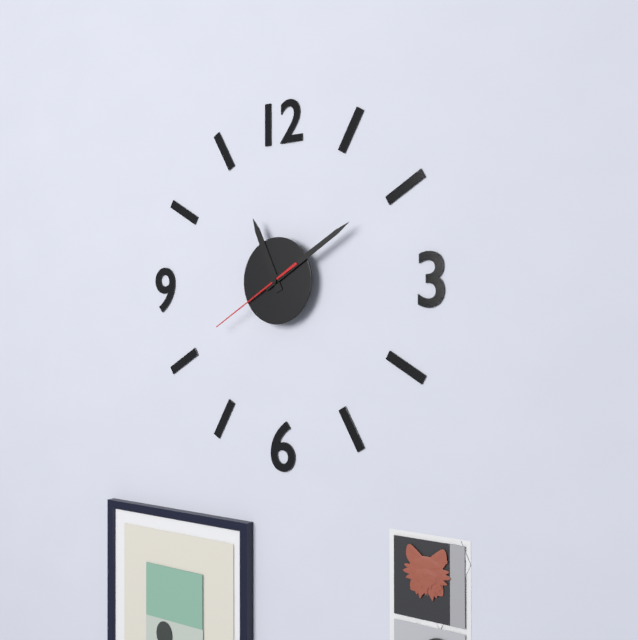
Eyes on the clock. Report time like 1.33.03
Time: 11.10.40
